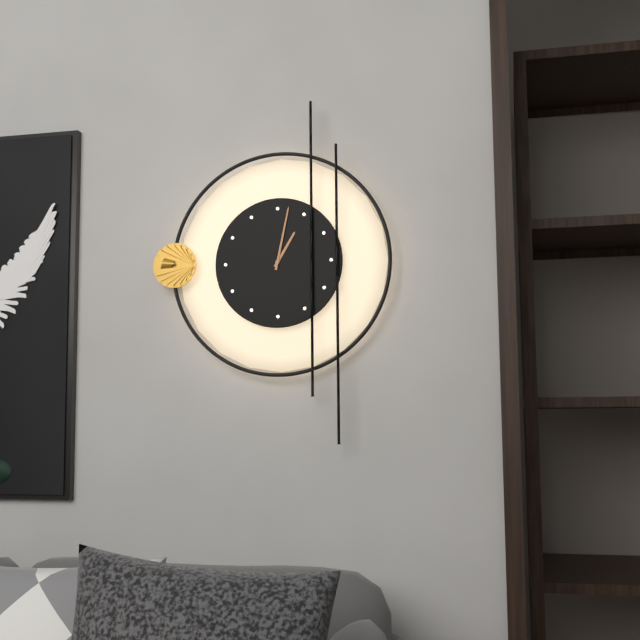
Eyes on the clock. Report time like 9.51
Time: 1.02
